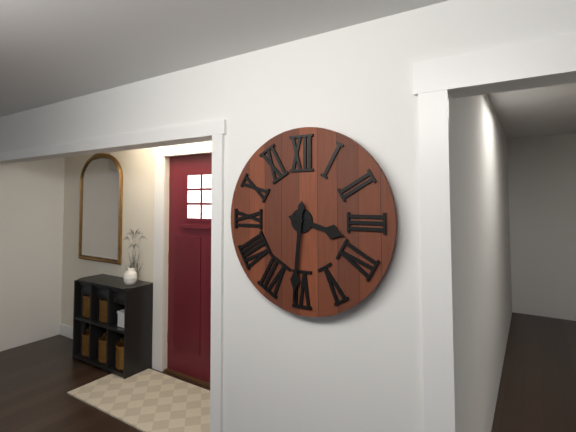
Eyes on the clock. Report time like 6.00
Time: 3.31
